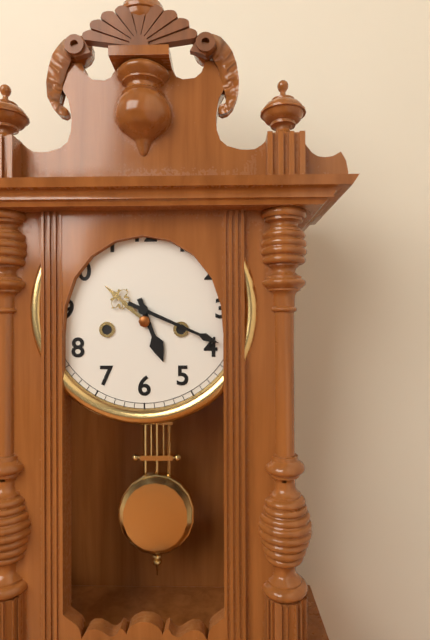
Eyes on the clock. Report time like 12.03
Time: 5.19
